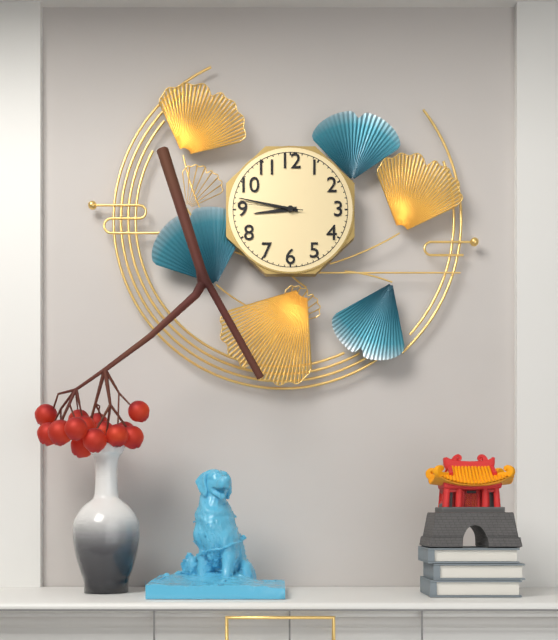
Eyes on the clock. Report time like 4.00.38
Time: 8.47.46
